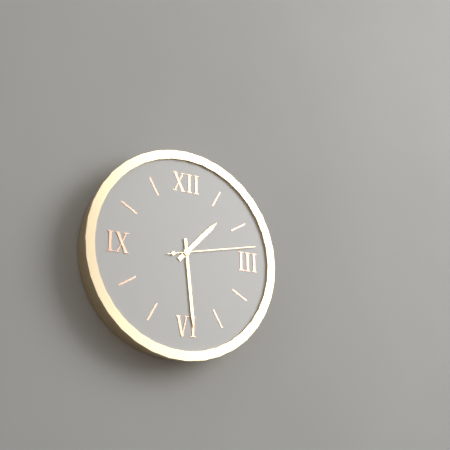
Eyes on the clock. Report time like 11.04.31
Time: 1.29.13
